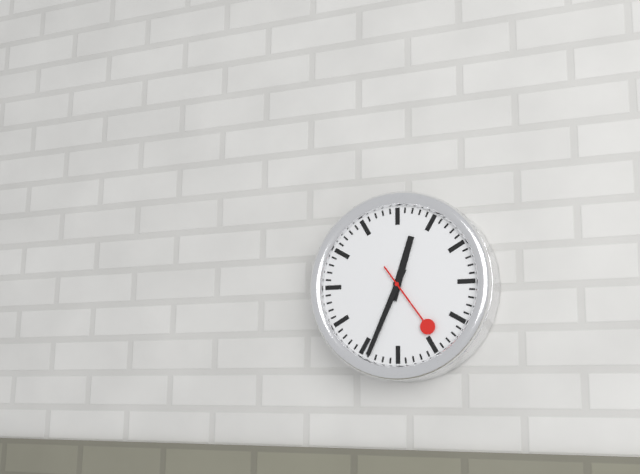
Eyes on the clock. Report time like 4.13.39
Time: 12.34.24
